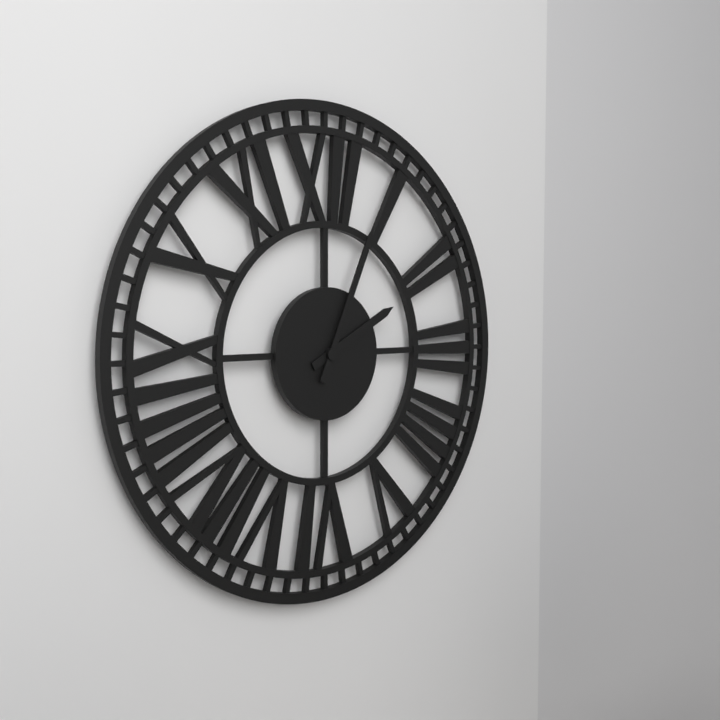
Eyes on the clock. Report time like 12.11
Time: 2.04
